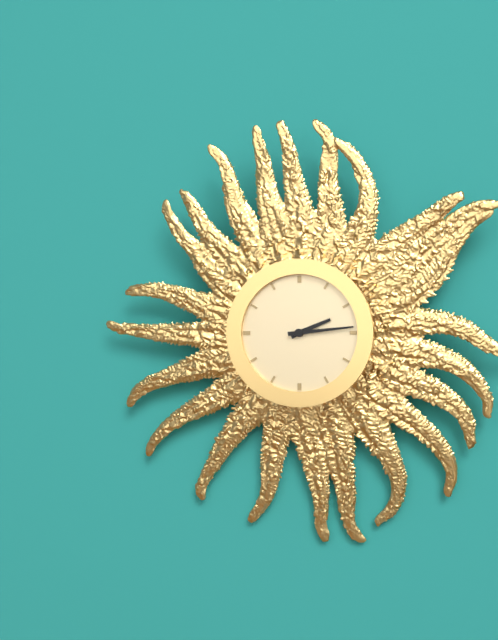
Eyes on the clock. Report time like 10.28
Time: 2.14
